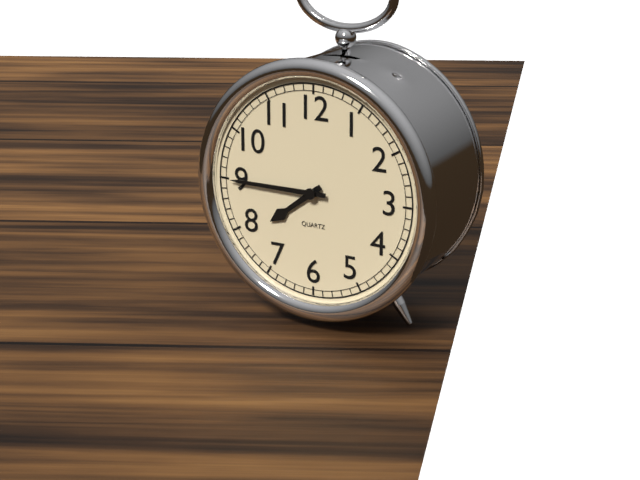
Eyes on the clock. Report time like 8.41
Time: 7.45
